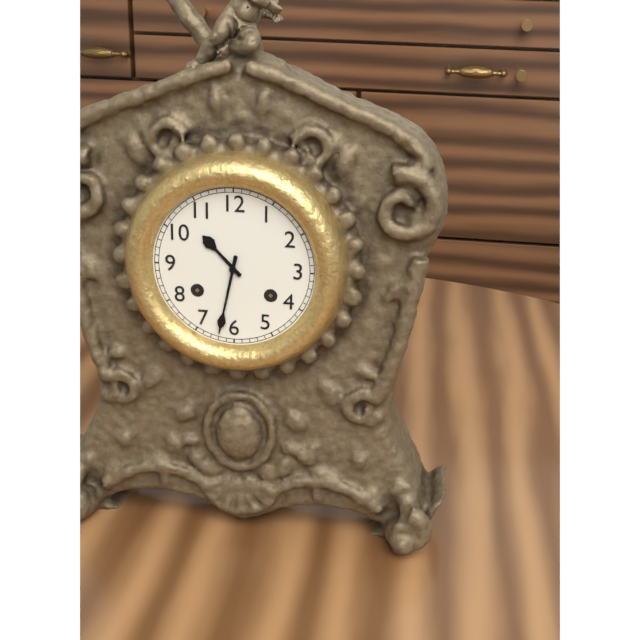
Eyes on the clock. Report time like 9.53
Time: 10.32
